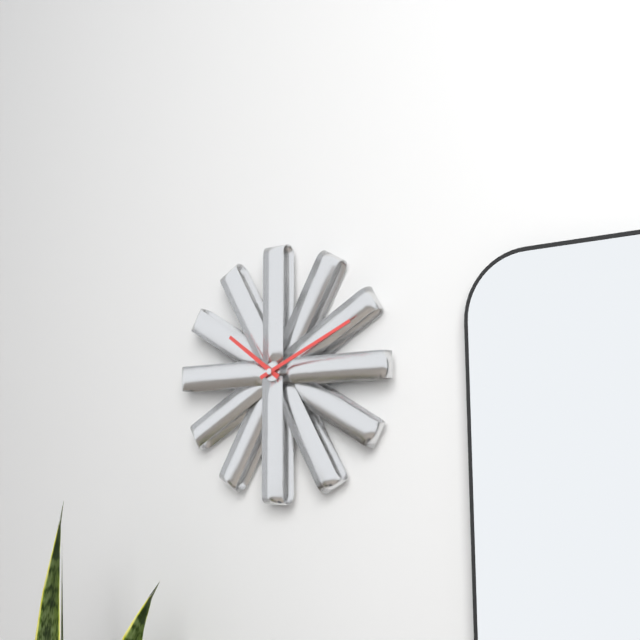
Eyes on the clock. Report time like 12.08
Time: 10.11
